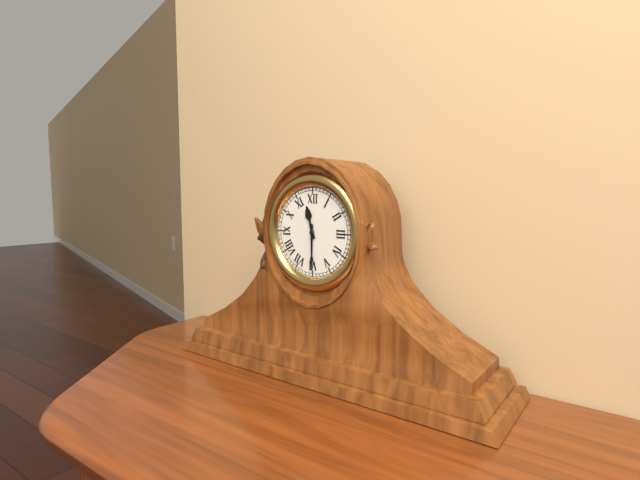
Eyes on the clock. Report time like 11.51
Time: 11.30
